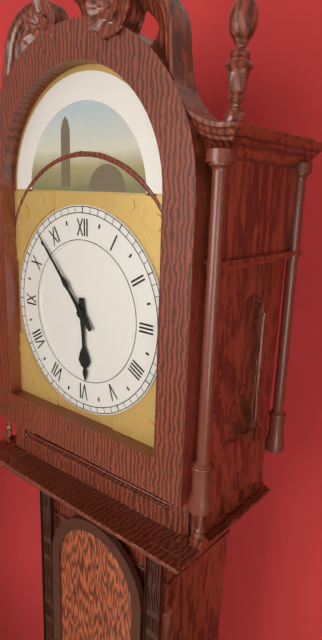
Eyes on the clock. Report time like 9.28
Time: 5.53
